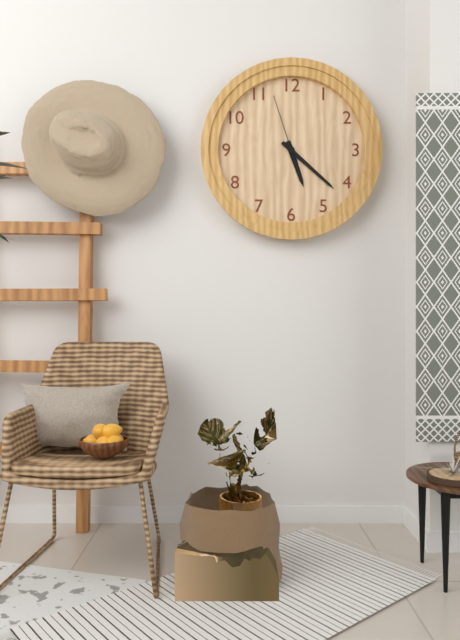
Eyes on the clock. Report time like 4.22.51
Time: 5.22.57
